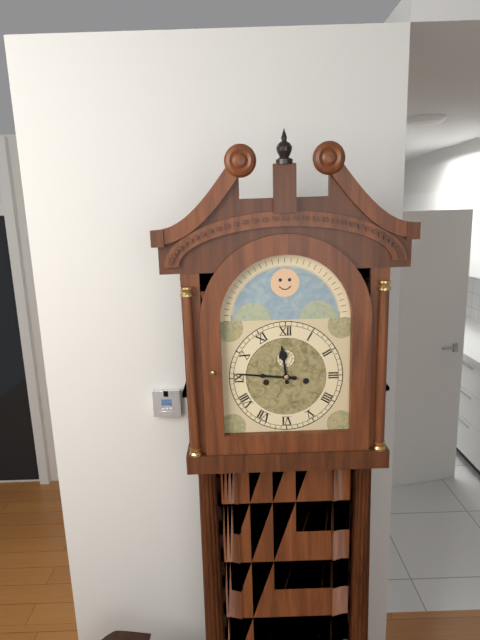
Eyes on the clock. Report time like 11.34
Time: 11.46
